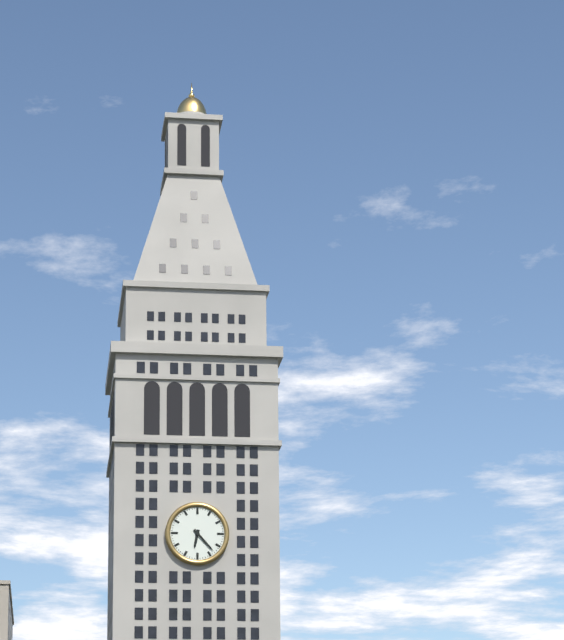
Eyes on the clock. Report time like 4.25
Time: 6.23
